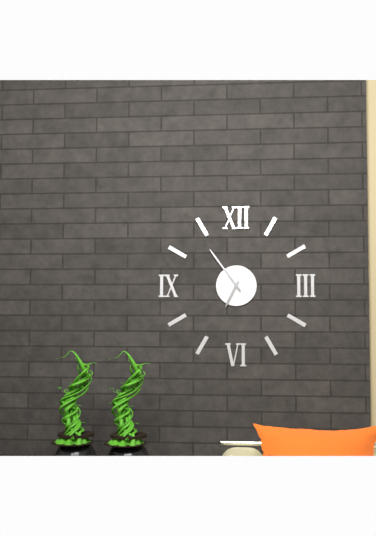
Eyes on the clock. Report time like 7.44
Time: 6.54
